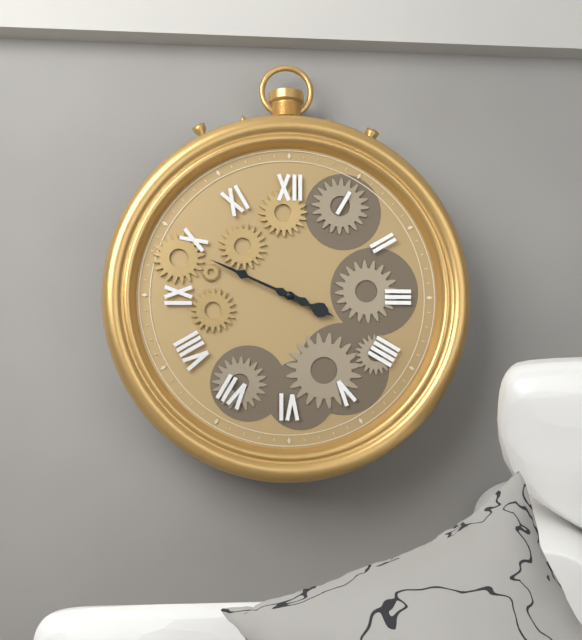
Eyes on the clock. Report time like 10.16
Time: 3.49
